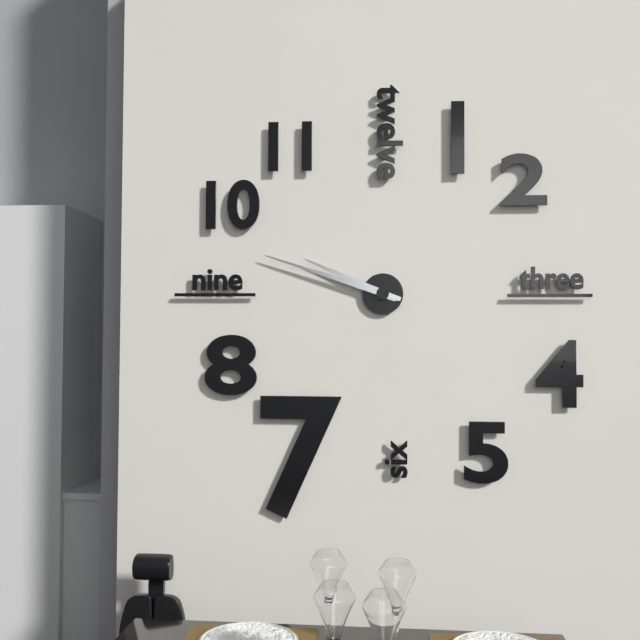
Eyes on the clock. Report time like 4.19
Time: 9.48
